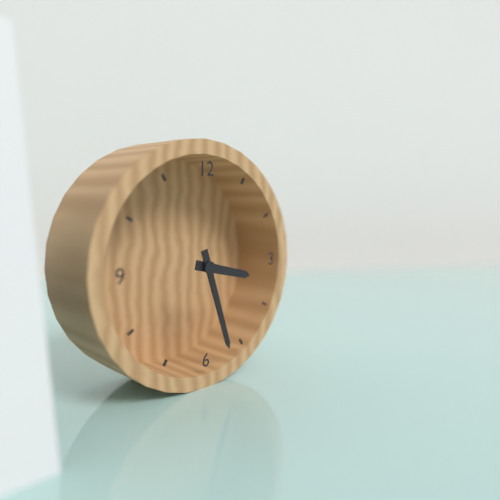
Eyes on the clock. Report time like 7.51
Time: 3.27
